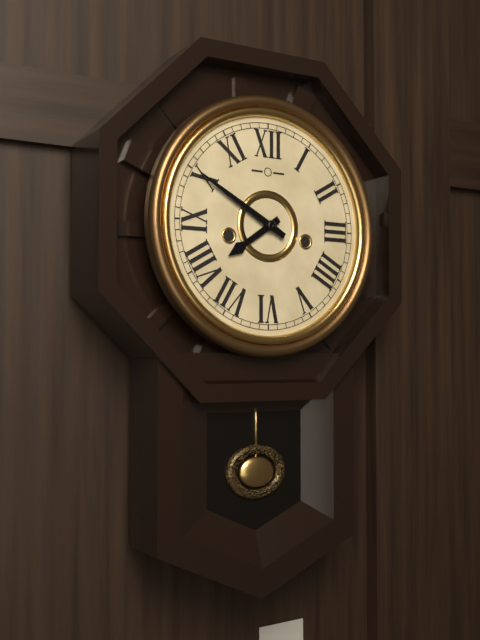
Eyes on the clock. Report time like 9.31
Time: 7.50
